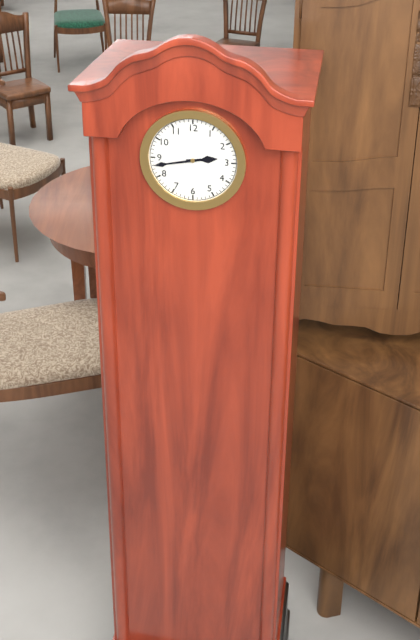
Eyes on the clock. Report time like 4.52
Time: 2.43
